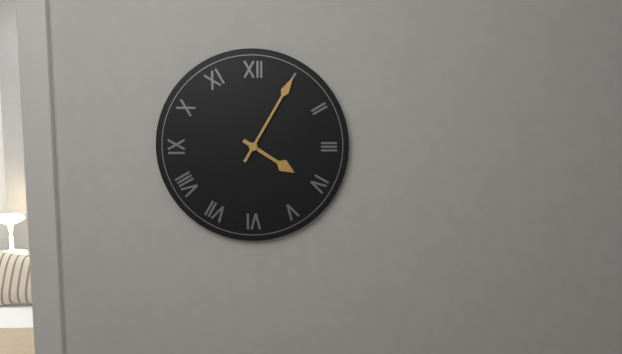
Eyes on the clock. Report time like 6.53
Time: 4.05
